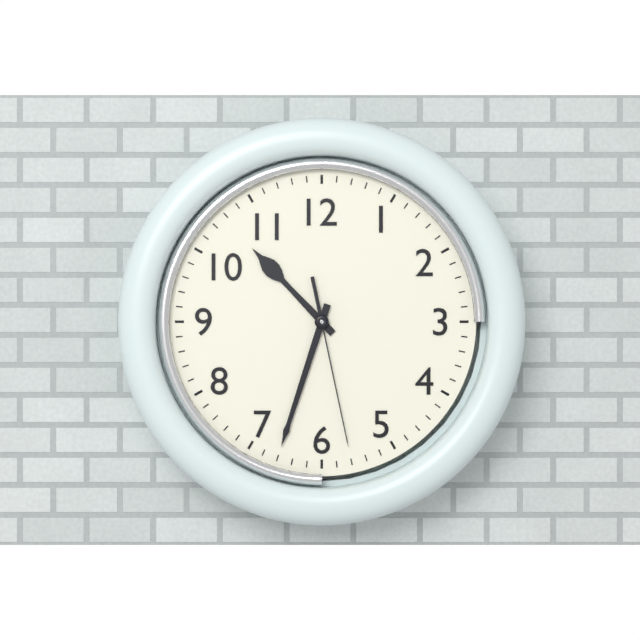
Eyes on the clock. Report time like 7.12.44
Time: 10.33.28
